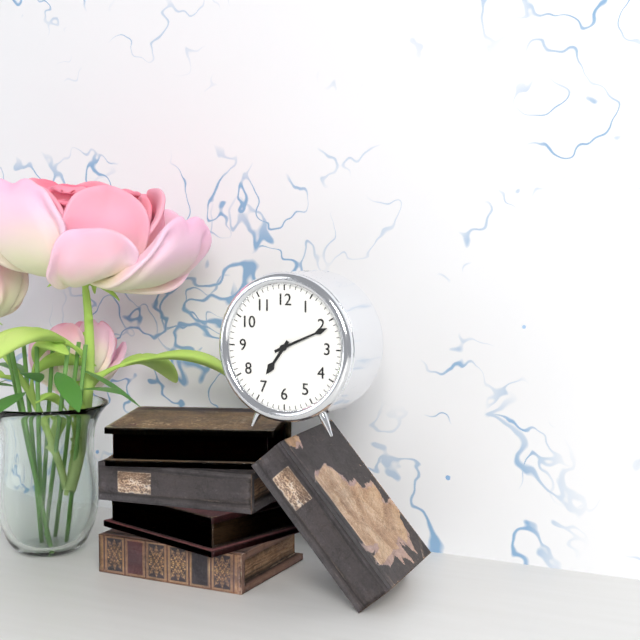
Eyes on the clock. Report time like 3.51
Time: 7.11
